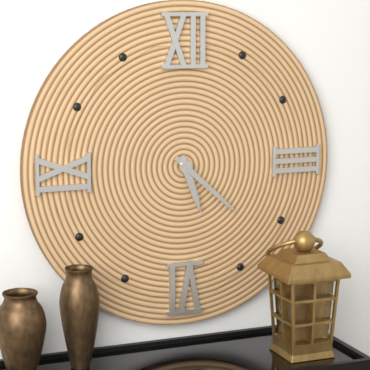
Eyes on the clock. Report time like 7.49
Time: 5.22
